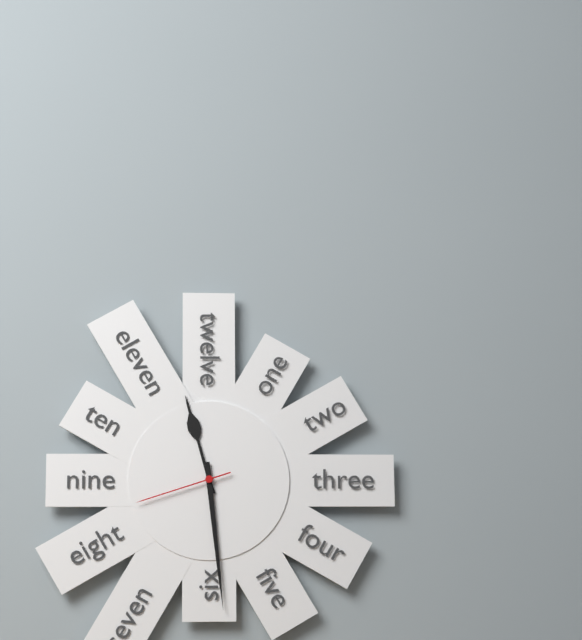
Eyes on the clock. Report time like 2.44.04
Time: 11.29.42
